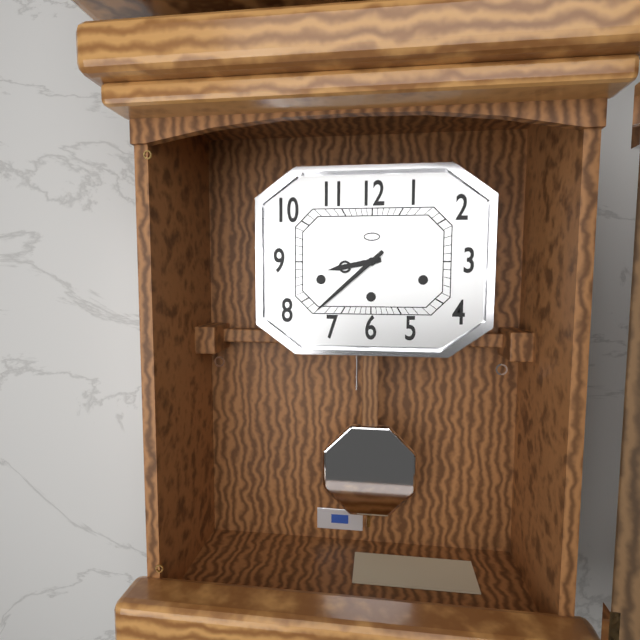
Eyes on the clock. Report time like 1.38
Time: 8.38
